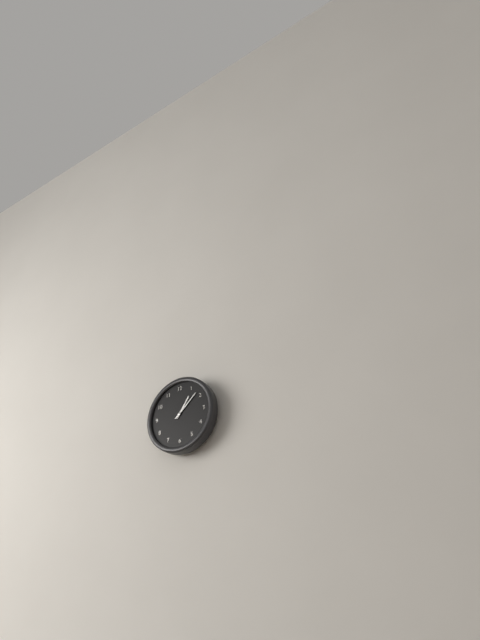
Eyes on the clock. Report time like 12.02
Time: 1.08
